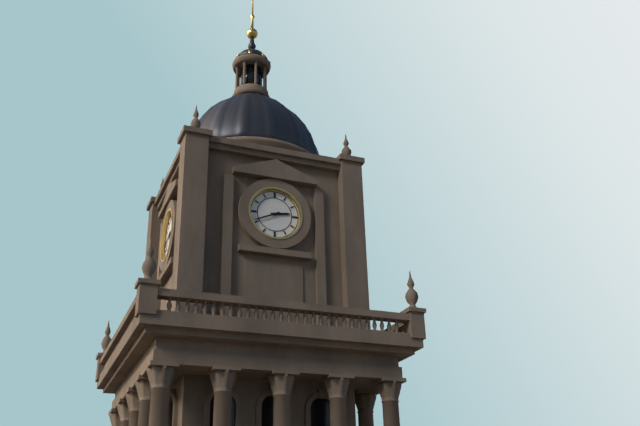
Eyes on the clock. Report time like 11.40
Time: 2.41
